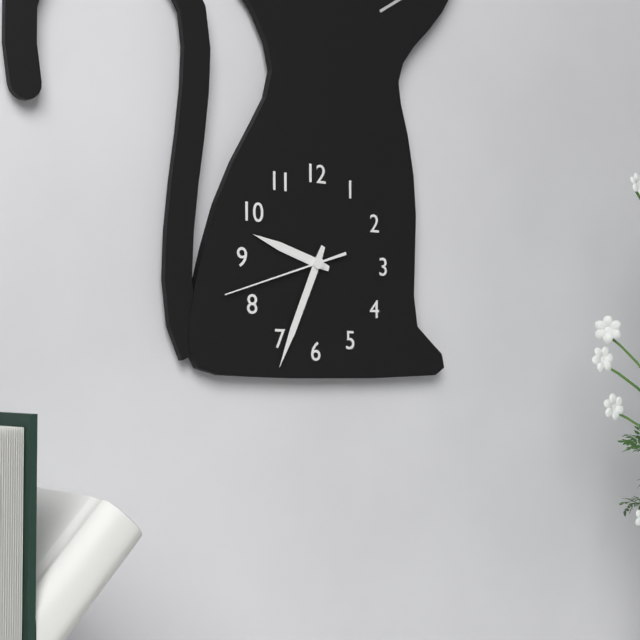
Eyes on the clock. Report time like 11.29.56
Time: 9.34.42
